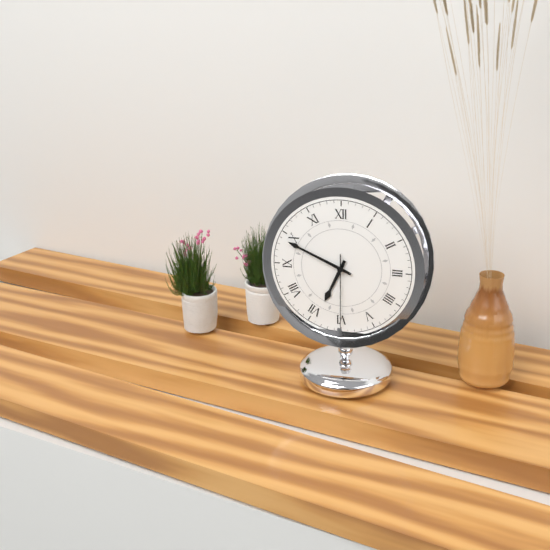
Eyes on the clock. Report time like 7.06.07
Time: 6.49.30
